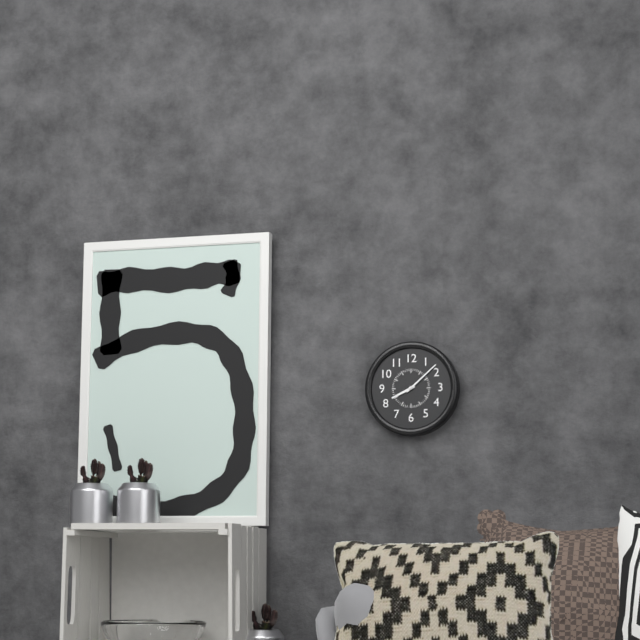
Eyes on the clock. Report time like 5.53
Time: 8.08
